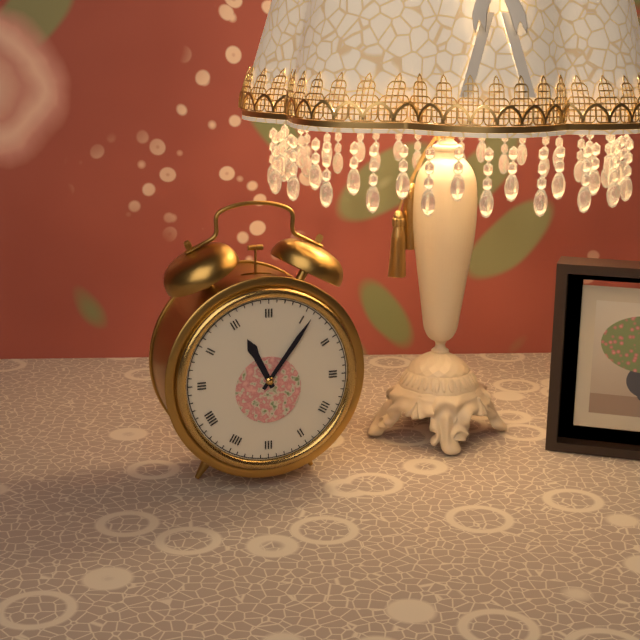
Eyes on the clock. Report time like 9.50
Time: 11.06
